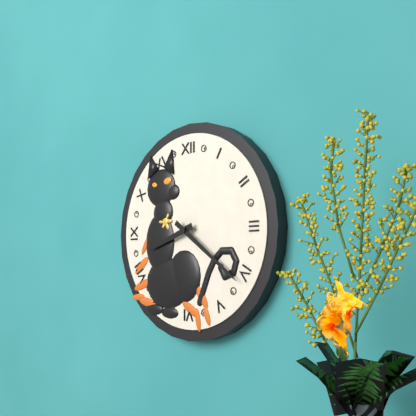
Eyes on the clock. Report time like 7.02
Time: 8.21
